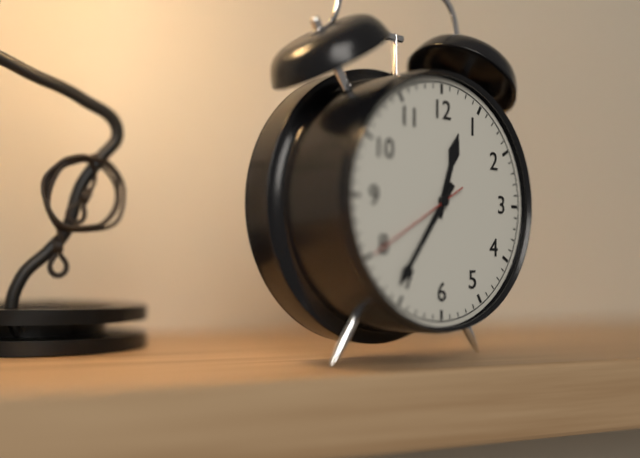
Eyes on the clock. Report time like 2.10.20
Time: 12.36.40
